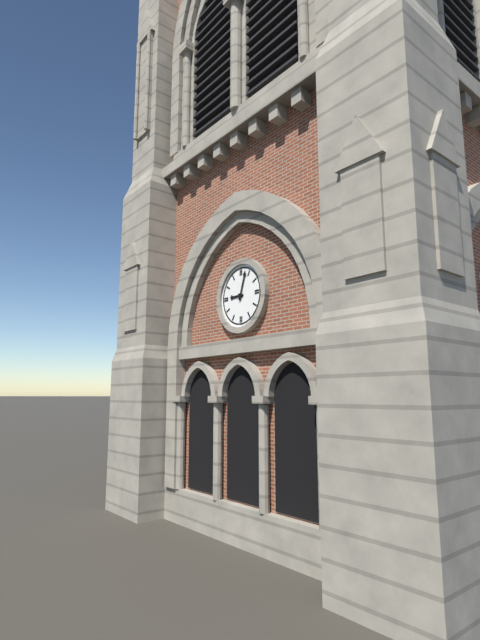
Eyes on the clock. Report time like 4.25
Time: 9.03
